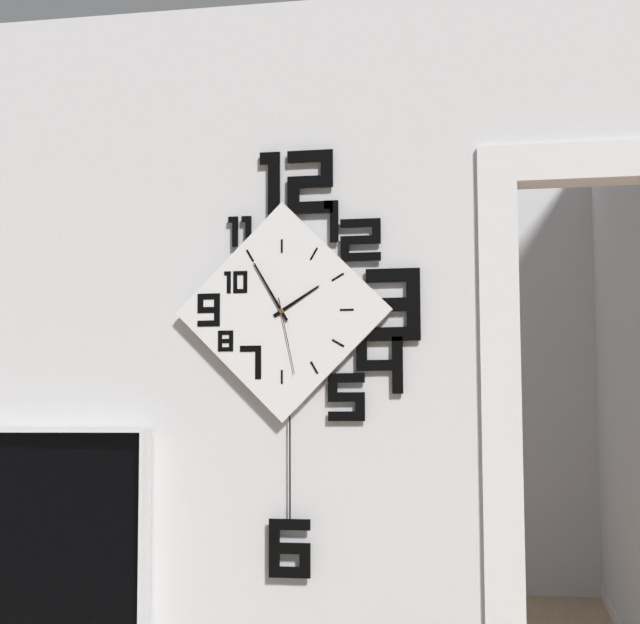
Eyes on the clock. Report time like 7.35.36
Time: 1.55.28
